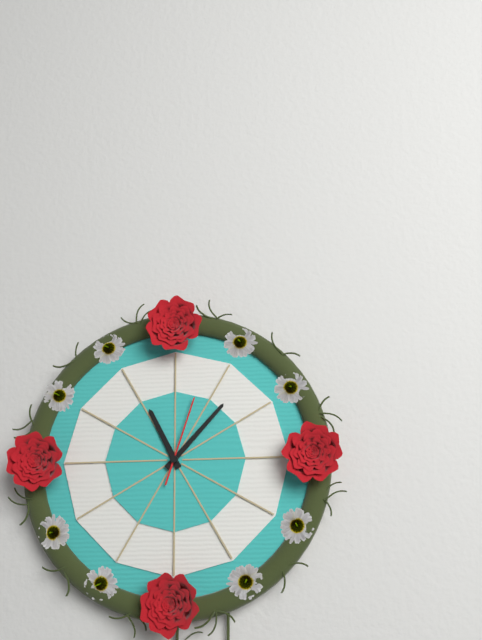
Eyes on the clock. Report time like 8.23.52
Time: 11.07.03
